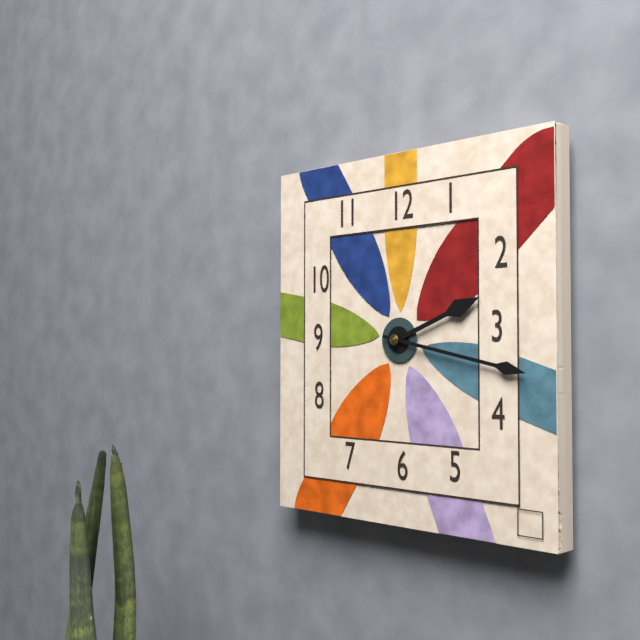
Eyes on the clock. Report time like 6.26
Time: 2.17
